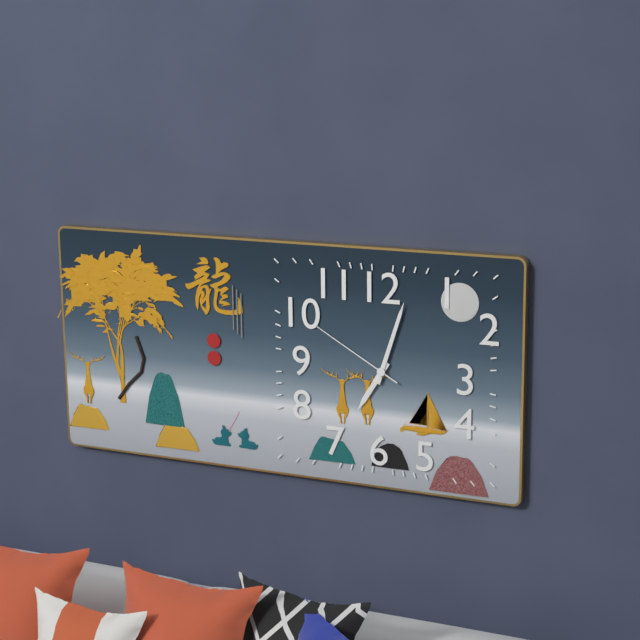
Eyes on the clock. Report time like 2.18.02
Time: 7.03.50
